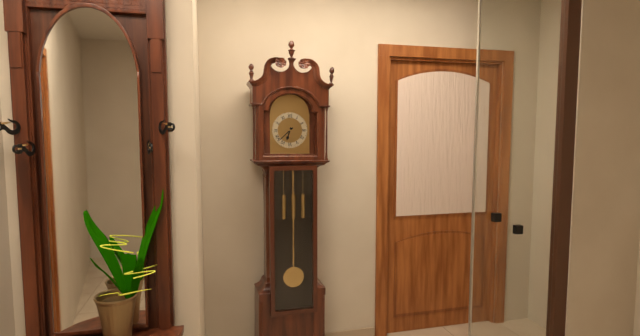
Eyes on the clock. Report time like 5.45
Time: 6.38
